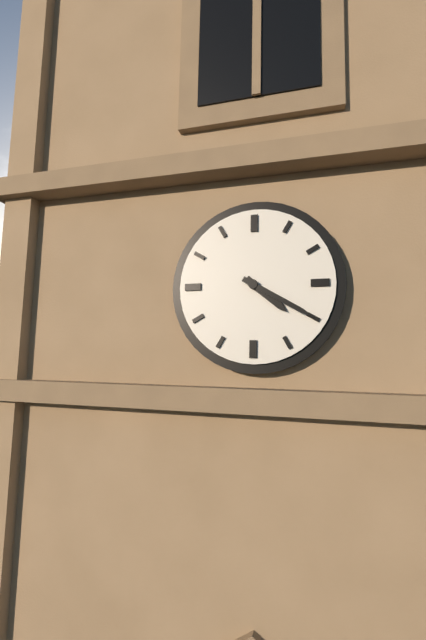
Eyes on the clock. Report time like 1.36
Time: 4.20
